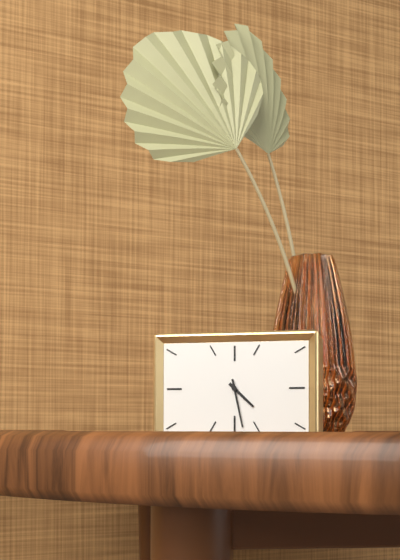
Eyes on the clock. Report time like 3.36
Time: 4.28
